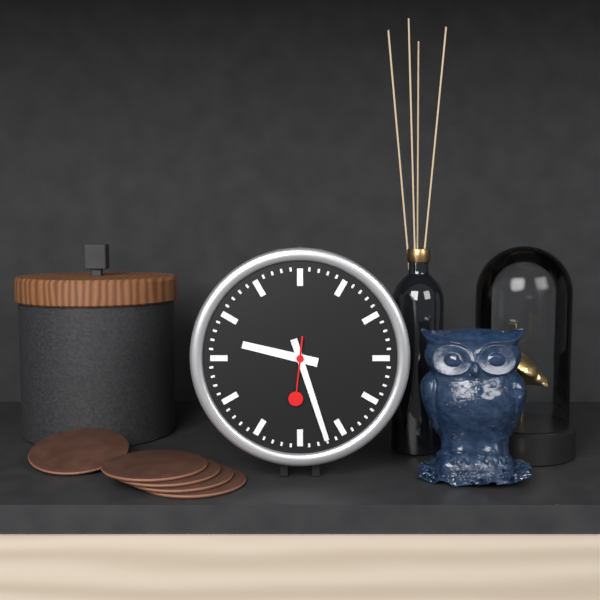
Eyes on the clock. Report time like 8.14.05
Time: 9.27.31
